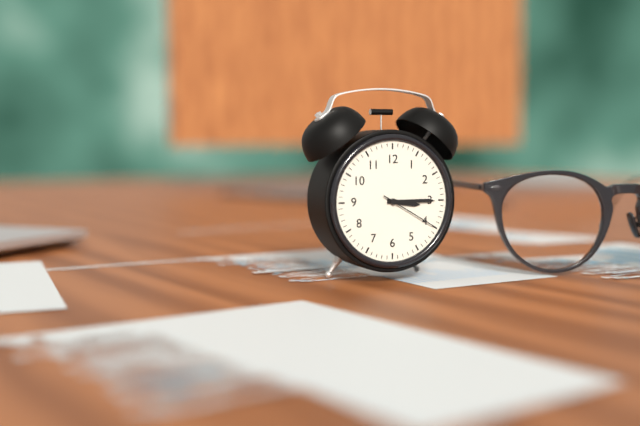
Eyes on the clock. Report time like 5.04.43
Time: 3.15.20
